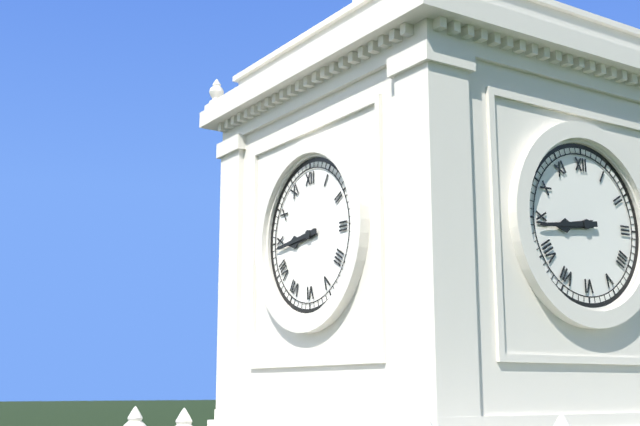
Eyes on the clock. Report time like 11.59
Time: 8.44
